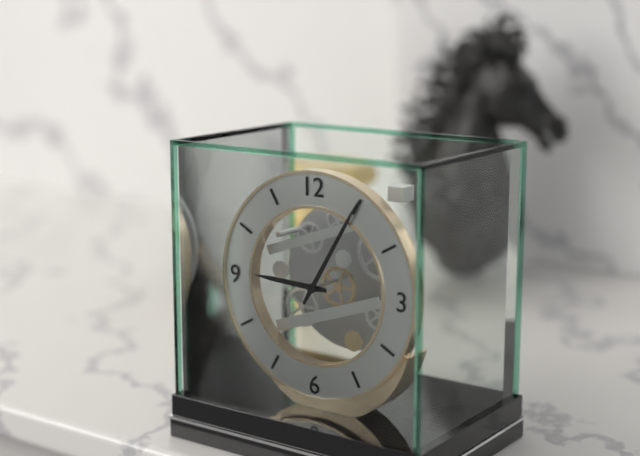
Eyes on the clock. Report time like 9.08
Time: 9.05
